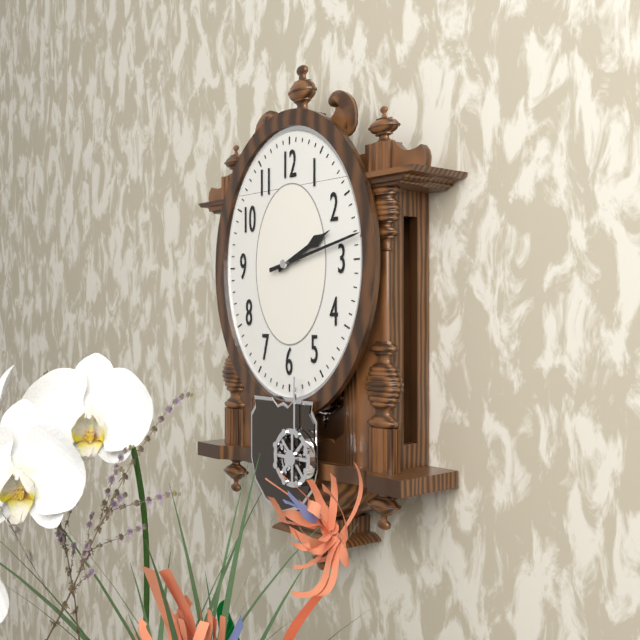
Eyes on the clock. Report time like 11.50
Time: 2.13
